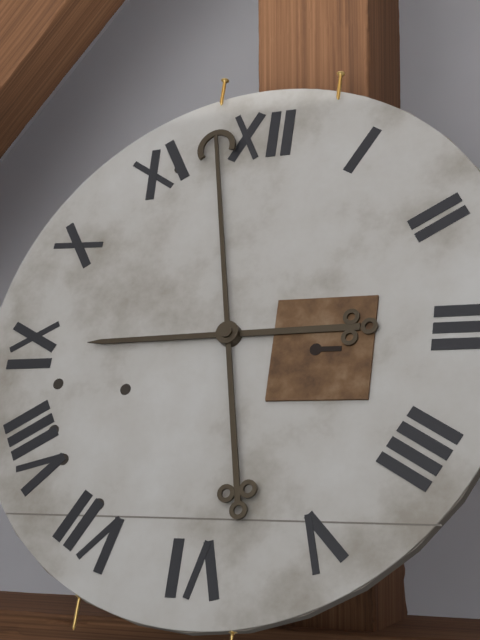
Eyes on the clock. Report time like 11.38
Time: 8.58
